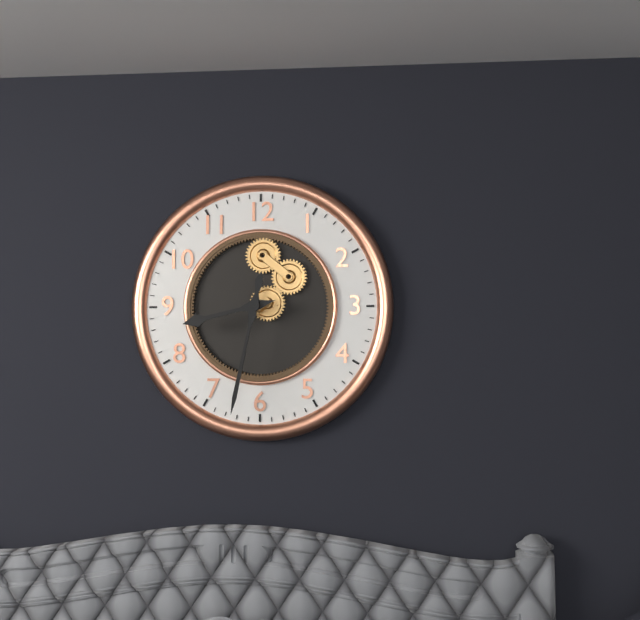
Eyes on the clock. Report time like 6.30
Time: 8.32
